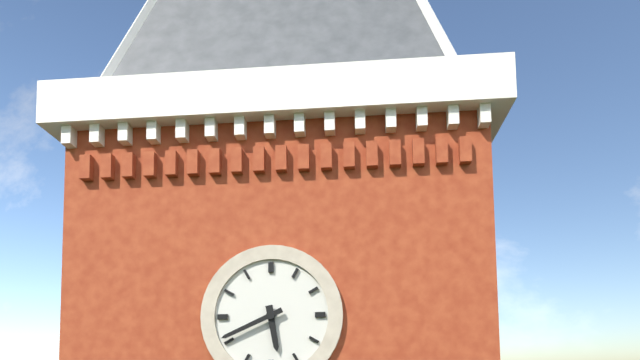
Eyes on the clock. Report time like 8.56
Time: 5.41
